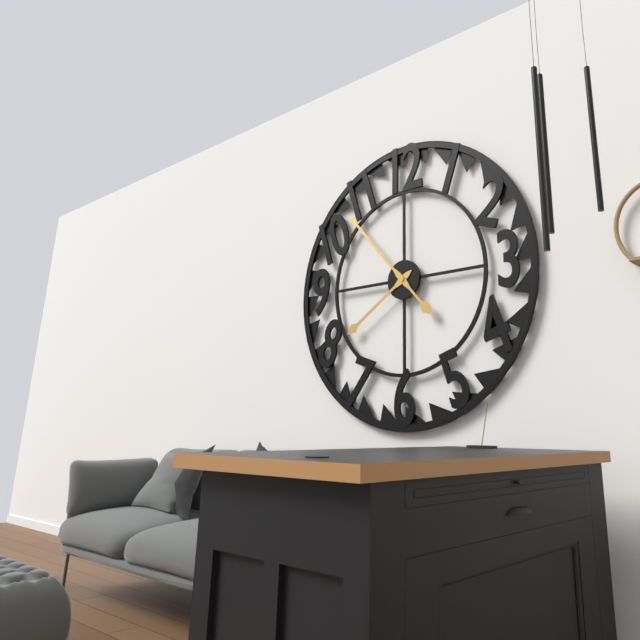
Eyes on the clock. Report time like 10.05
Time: 7.53
